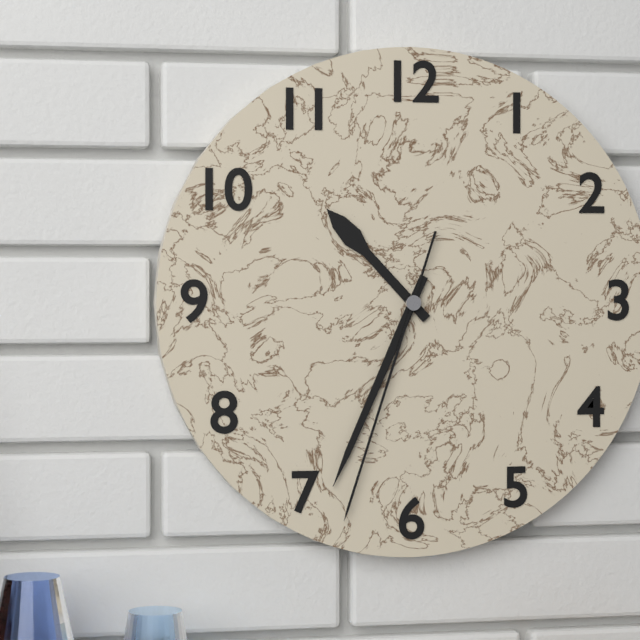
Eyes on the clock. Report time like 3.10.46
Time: 10.34.33
